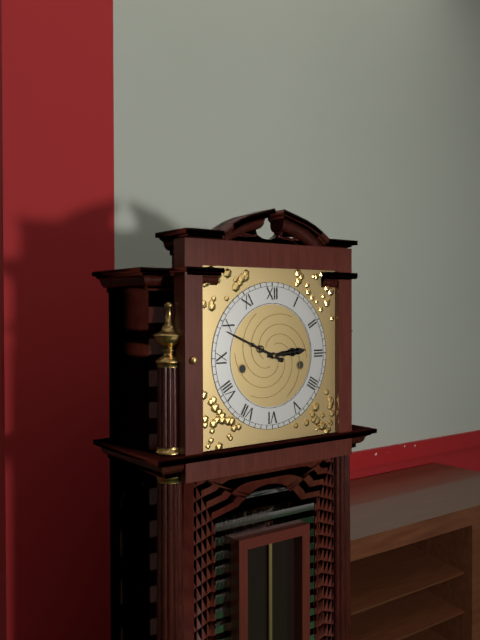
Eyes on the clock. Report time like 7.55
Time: 2.49
